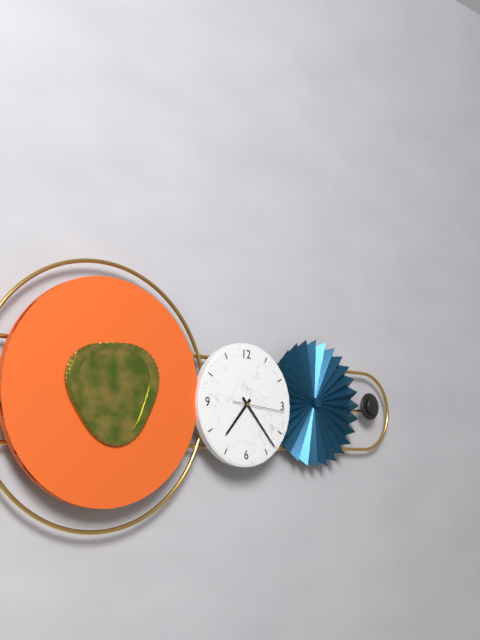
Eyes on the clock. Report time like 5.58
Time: 7.23
